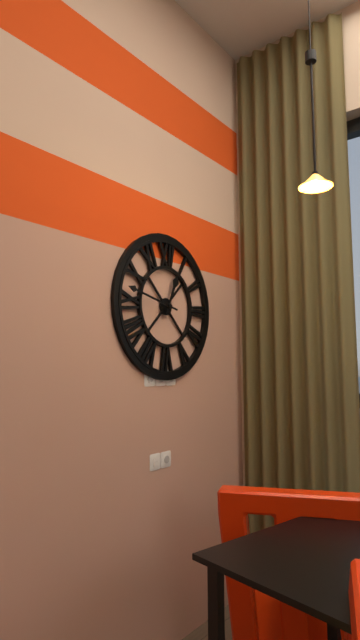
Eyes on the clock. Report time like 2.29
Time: 12.47
